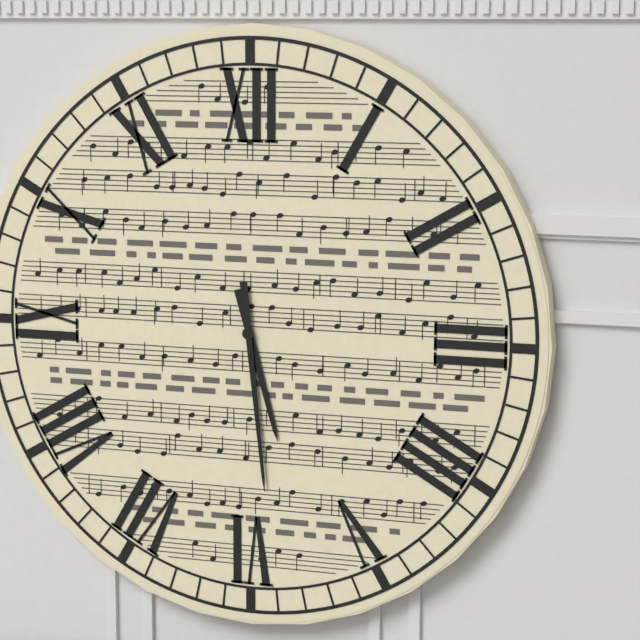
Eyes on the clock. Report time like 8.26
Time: 5.29
